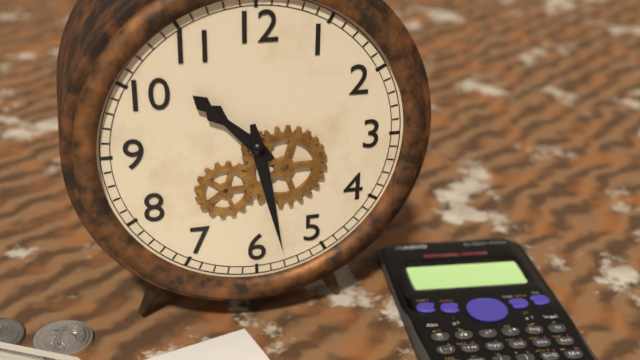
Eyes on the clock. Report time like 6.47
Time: 10.28
